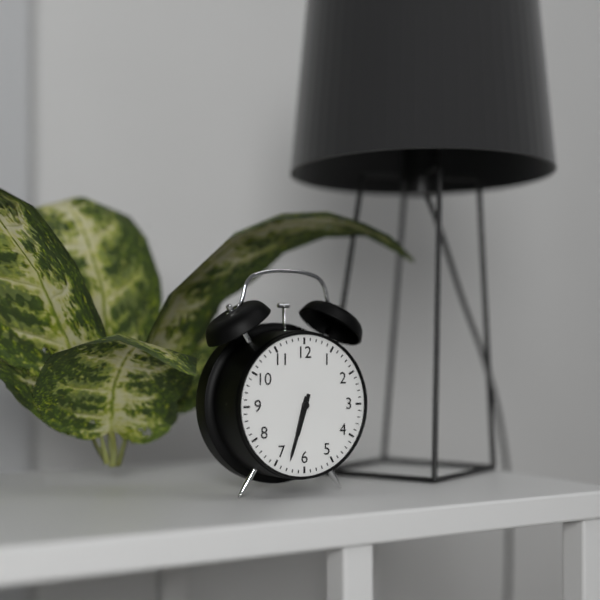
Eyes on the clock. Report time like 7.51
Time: 6.33
